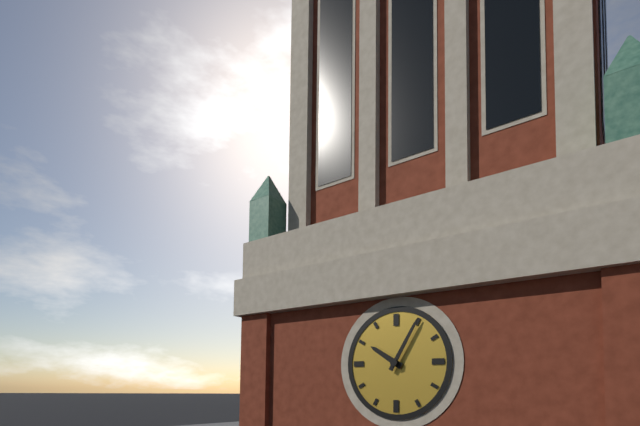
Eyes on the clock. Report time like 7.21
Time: 10.05
